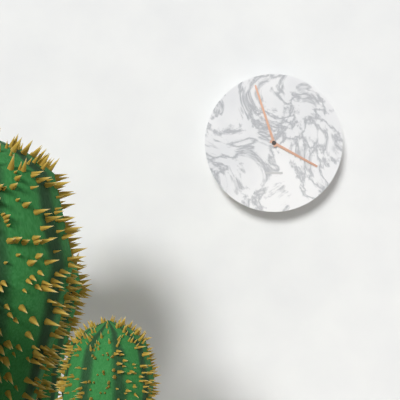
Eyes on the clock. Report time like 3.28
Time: 3.57
